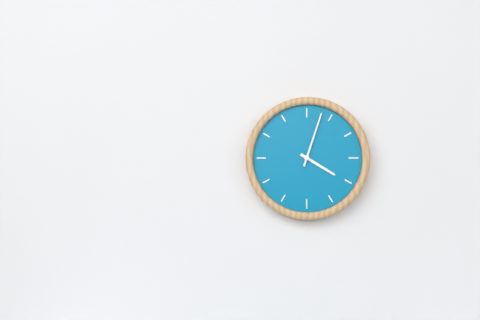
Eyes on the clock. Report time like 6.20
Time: 4.03
